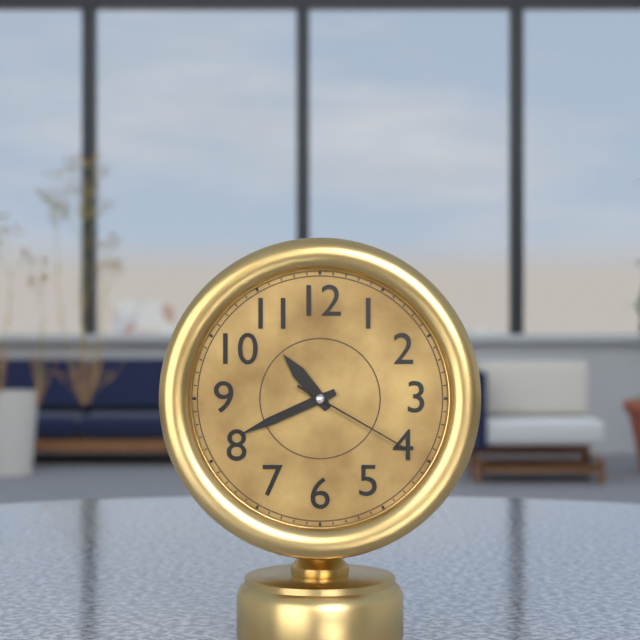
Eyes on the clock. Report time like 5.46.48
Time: 10.41.20
